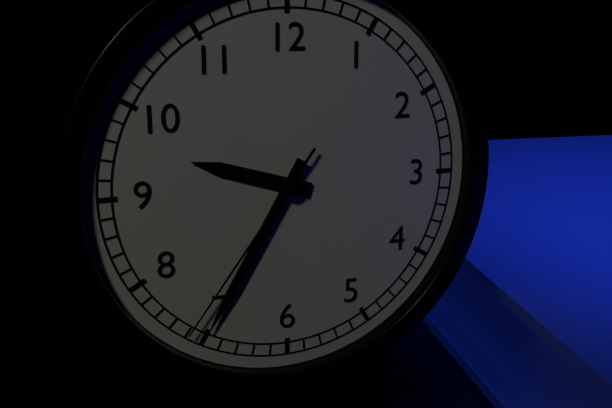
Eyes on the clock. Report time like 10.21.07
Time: 9.35.36
